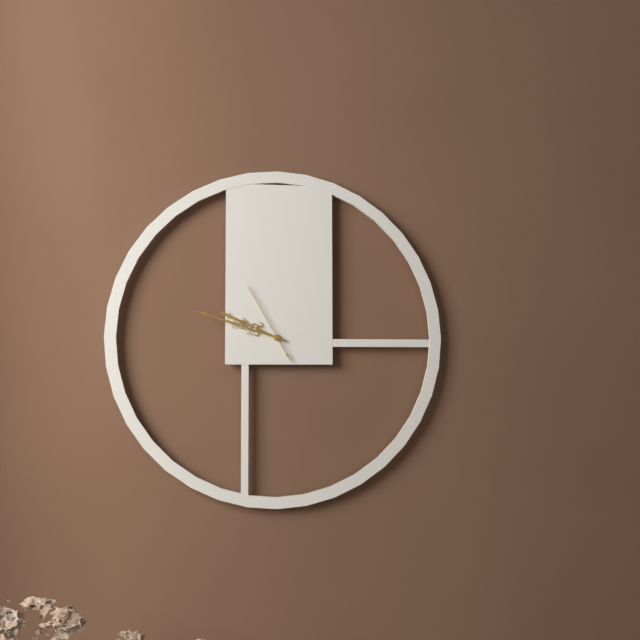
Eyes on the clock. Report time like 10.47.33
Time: 9.48.55
